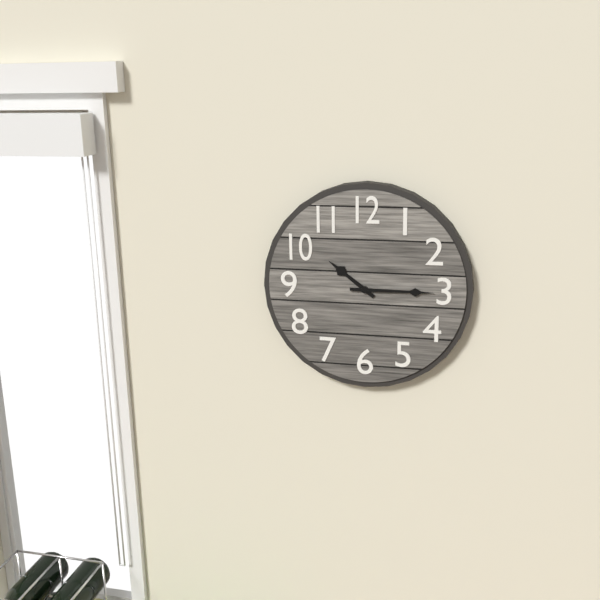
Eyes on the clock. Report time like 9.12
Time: 10.15
